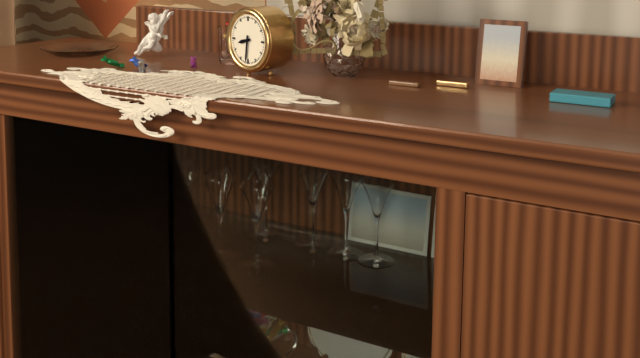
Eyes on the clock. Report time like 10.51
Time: 8.31
